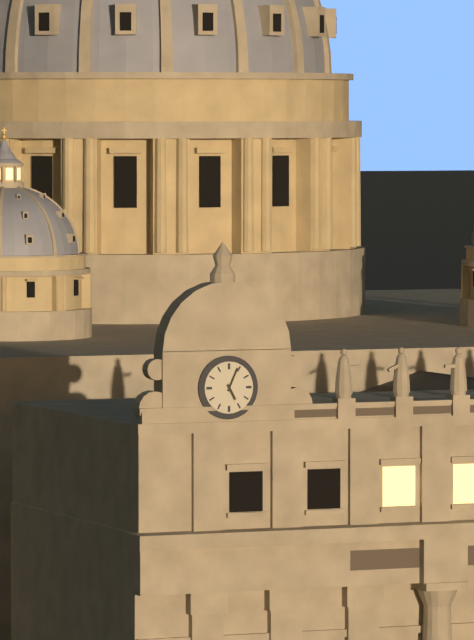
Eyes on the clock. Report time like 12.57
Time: 5.04
